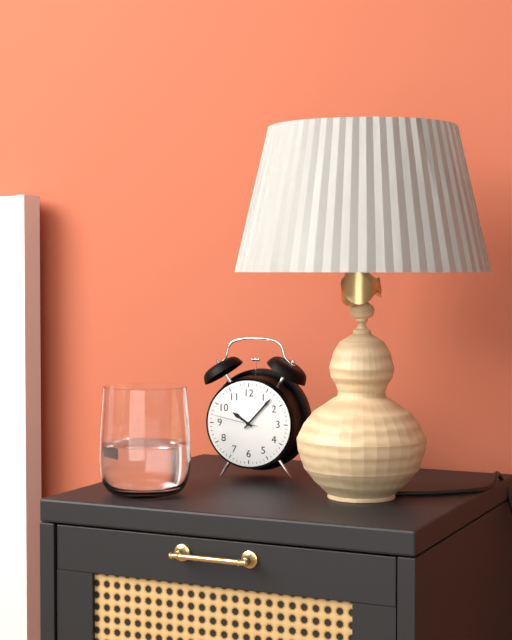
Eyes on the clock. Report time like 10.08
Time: 10.07
